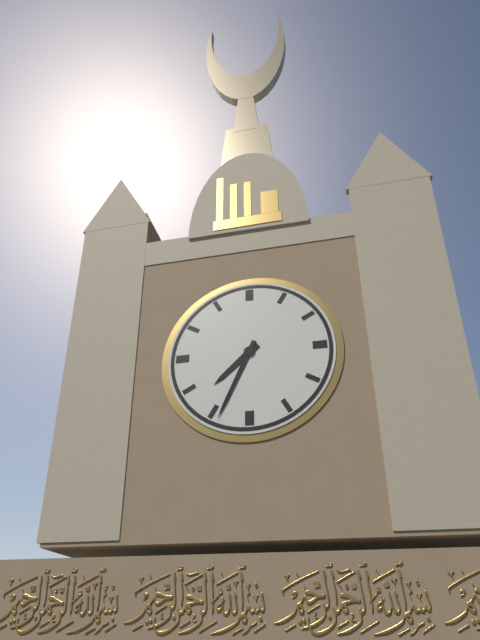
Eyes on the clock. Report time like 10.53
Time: 7.34
